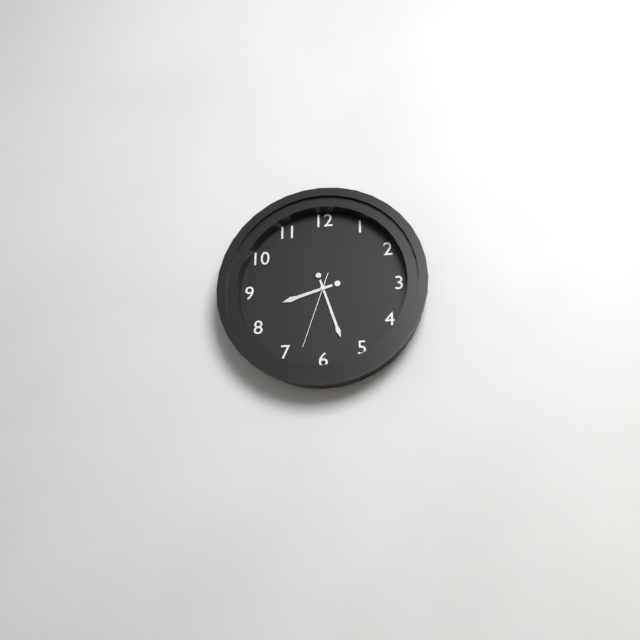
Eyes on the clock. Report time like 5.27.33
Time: 8.27.33
